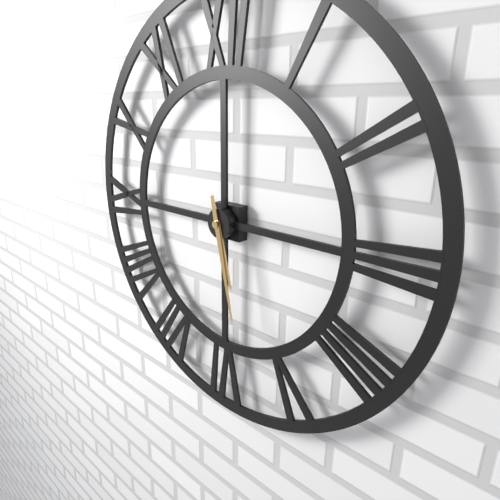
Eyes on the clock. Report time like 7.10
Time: 5.28
